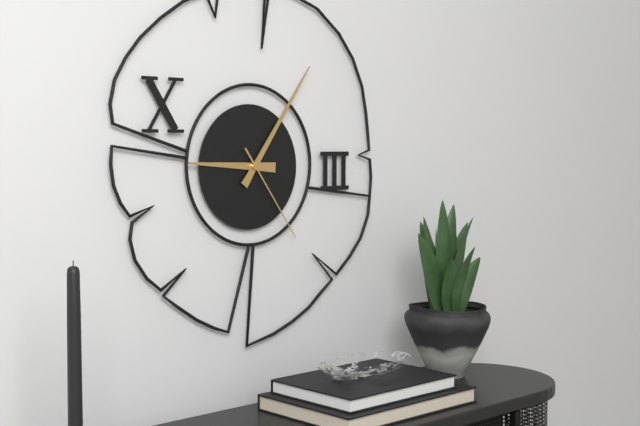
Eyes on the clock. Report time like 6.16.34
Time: 9.06.24
